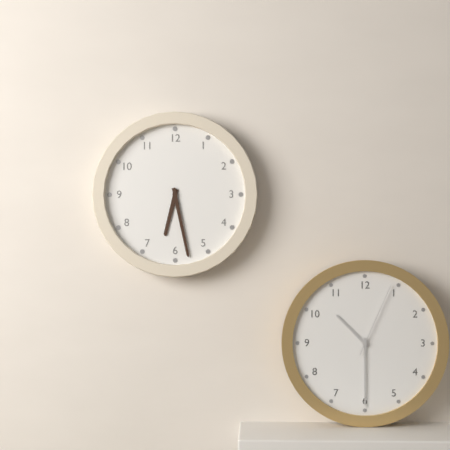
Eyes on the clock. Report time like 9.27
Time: 6.28
